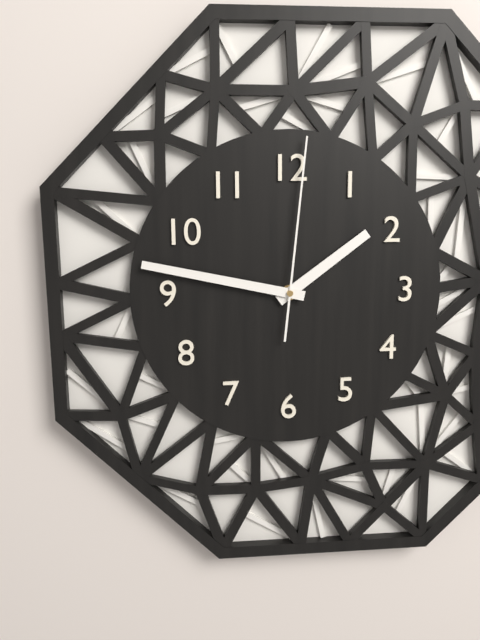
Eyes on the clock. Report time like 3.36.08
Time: 1.47.01
